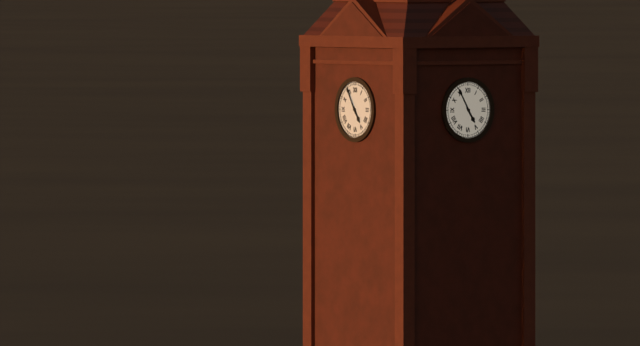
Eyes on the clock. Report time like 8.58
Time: 4.55
